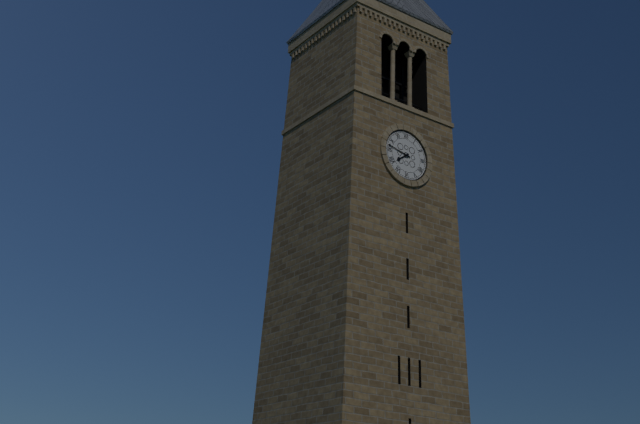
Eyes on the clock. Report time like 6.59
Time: 7.47
